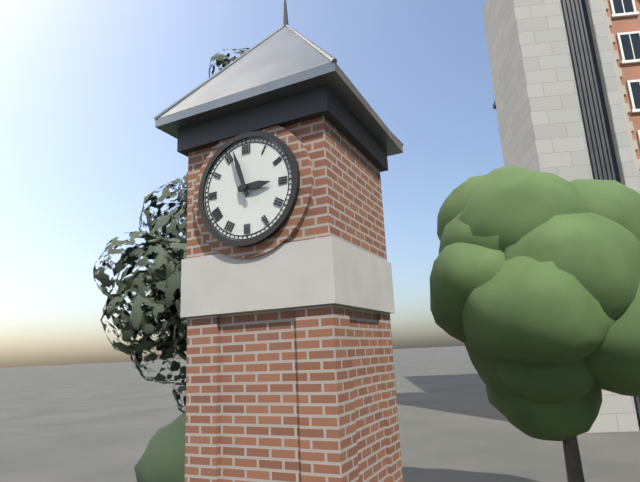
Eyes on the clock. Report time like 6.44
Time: 2.57
